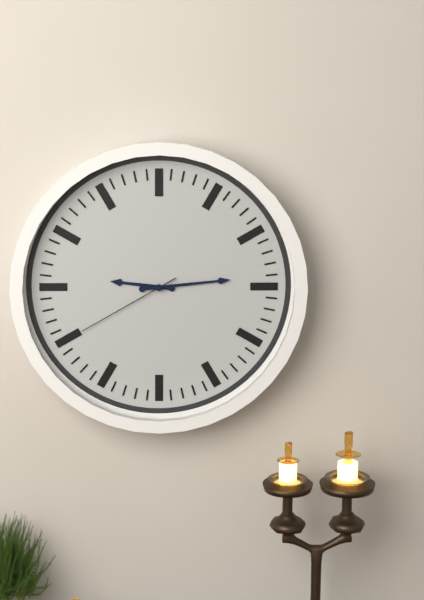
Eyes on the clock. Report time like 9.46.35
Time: 9.14.40
